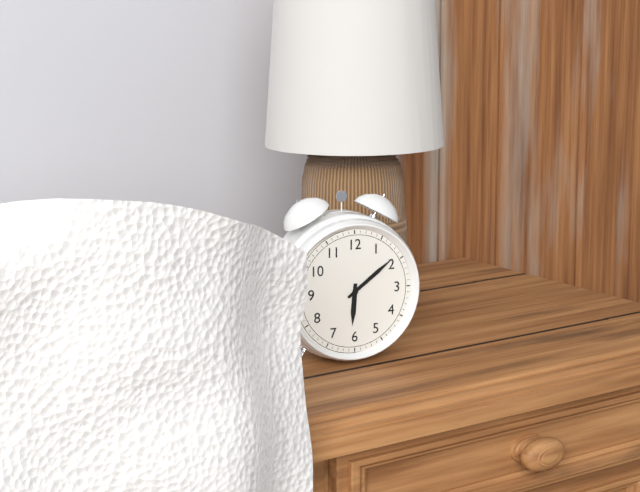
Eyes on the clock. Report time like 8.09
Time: 6.09
